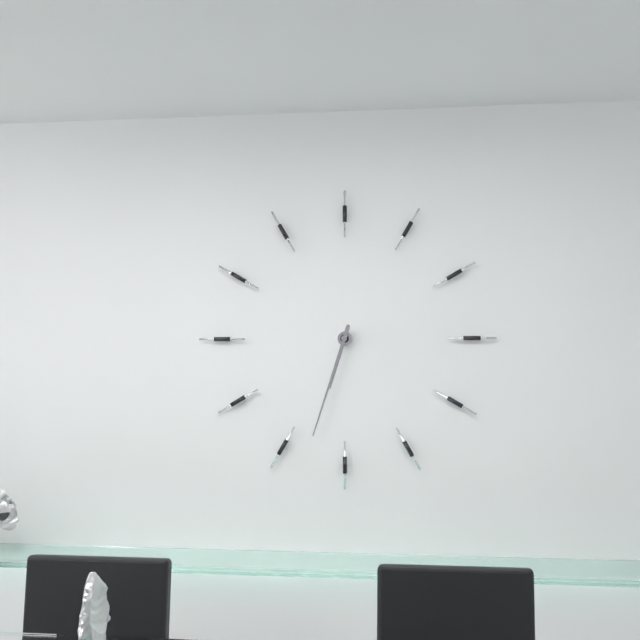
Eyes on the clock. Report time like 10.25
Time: 6.33
